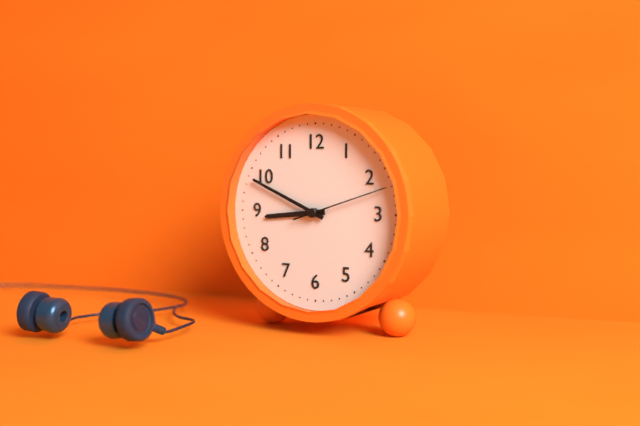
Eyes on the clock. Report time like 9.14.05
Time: 8.49.12
